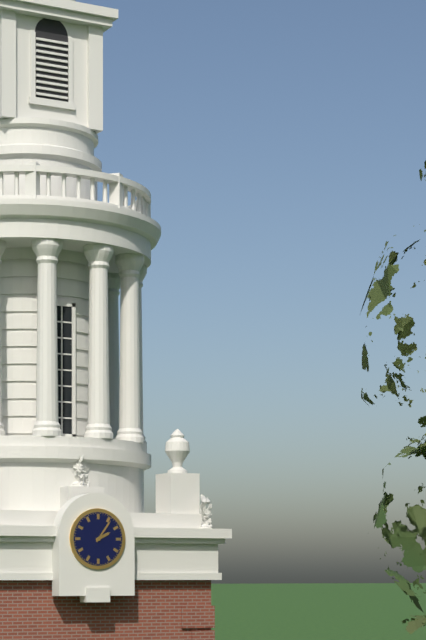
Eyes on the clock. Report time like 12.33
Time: 2.06
